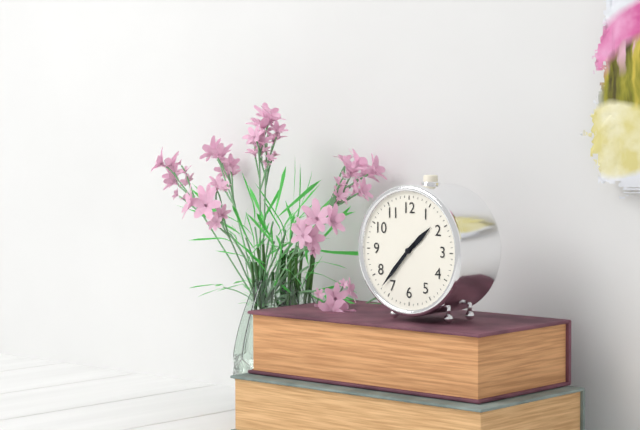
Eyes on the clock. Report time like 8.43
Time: 1.37
